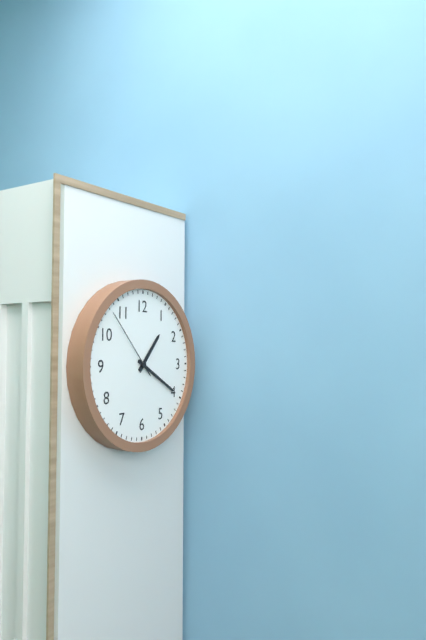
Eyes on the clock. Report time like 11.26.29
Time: 1.20.53
